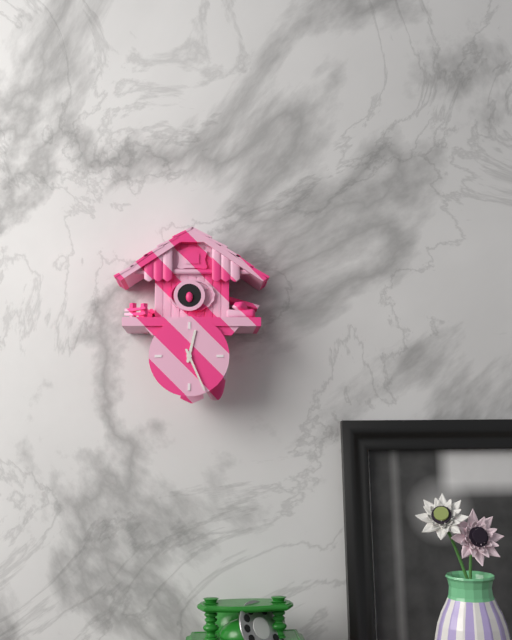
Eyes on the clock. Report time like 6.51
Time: 12.26
